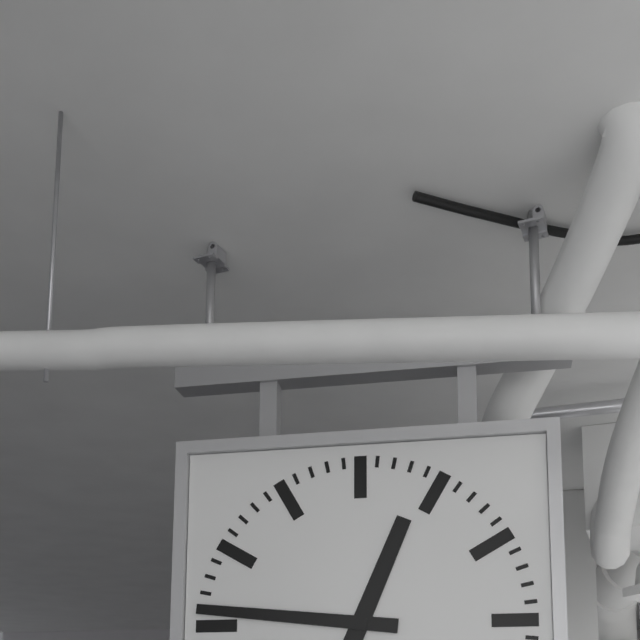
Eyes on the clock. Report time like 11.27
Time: 12.46
